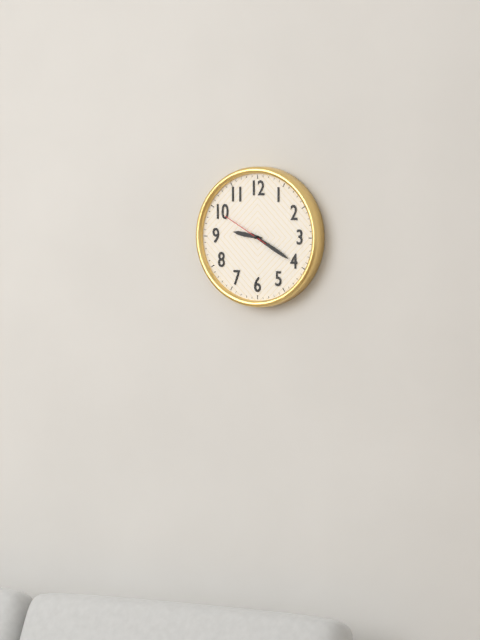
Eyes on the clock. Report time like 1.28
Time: 9.20
